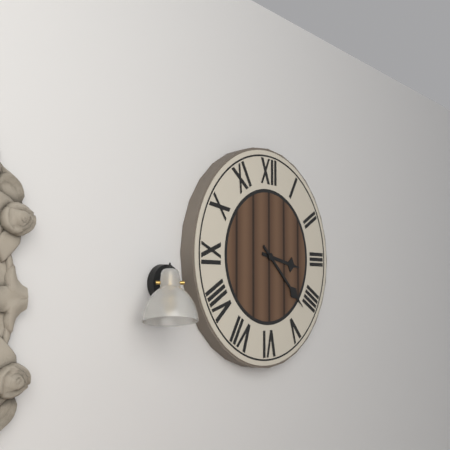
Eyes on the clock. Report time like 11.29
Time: 3.22
